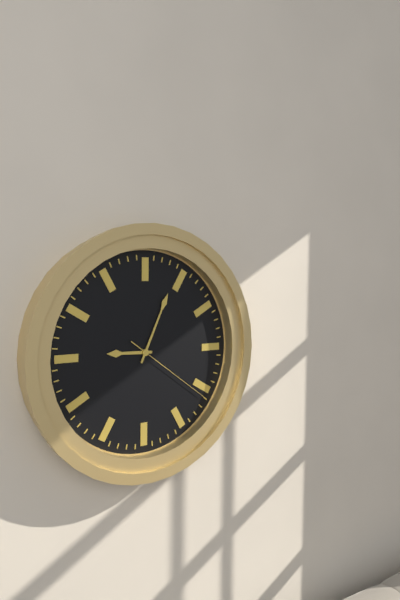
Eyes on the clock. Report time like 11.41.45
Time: 9.04.21
